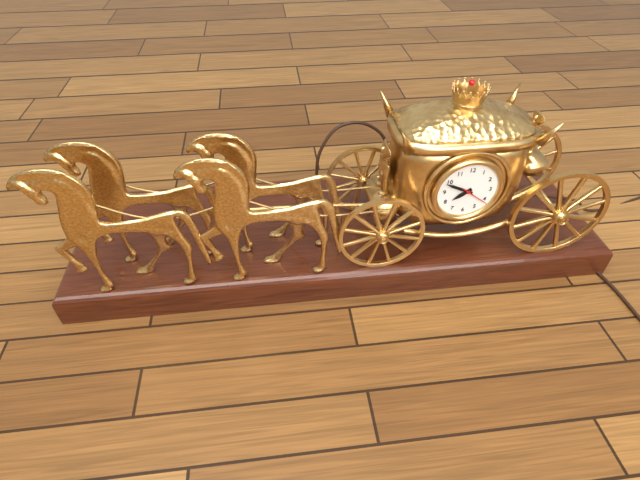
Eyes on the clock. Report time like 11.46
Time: 7.49
